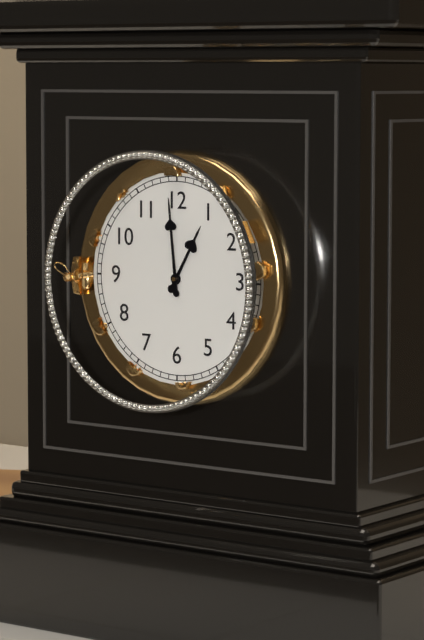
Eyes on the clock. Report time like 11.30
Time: 12.59
